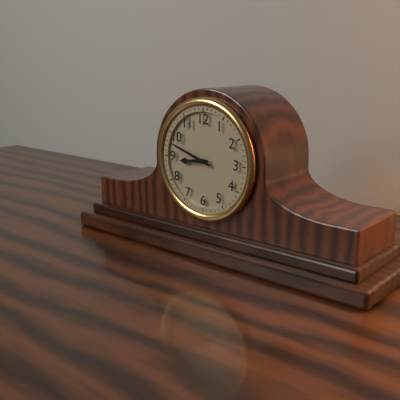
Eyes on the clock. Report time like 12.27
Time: 8.48
